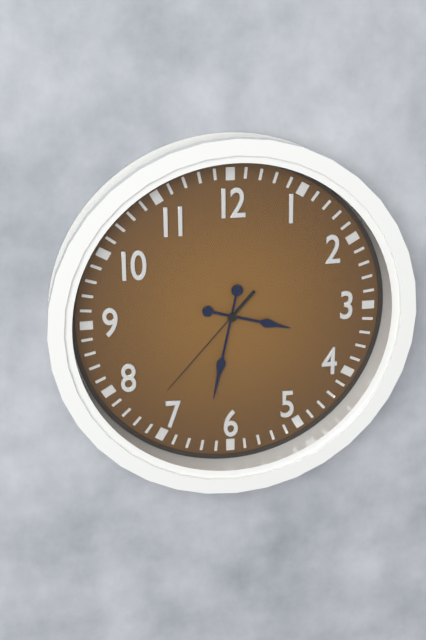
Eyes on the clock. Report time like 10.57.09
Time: 3.32.37
